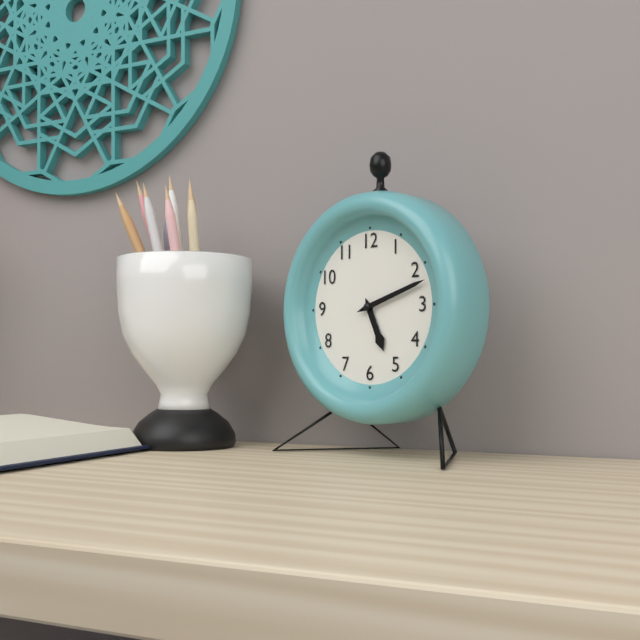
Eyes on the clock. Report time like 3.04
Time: 5.12
